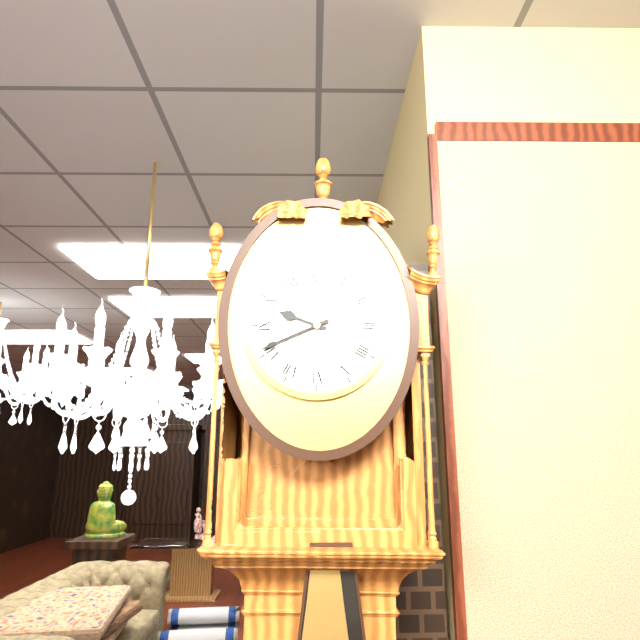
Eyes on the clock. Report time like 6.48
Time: 9.41
